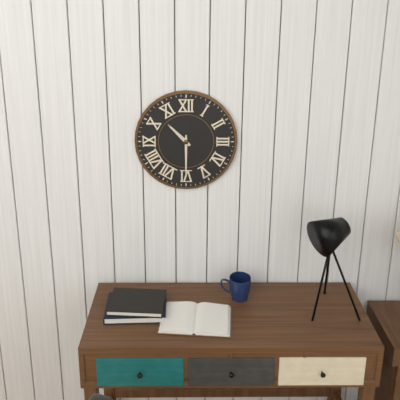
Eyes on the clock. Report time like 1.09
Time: 10.30
